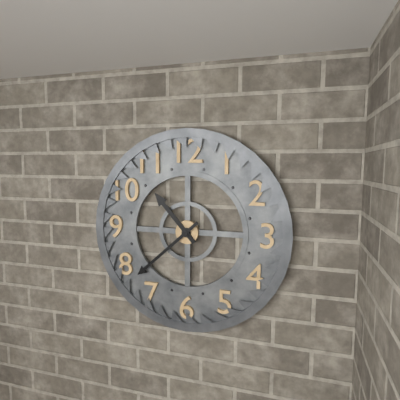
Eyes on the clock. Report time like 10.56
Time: 10.38
